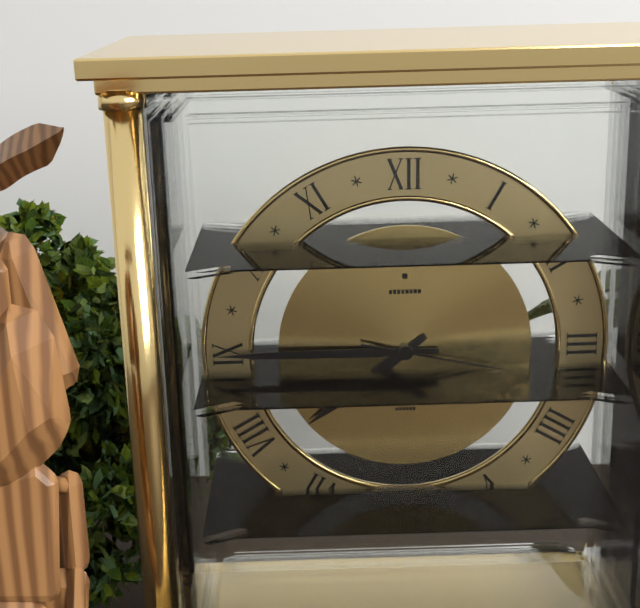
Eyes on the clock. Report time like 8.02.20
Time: 7.45.17
